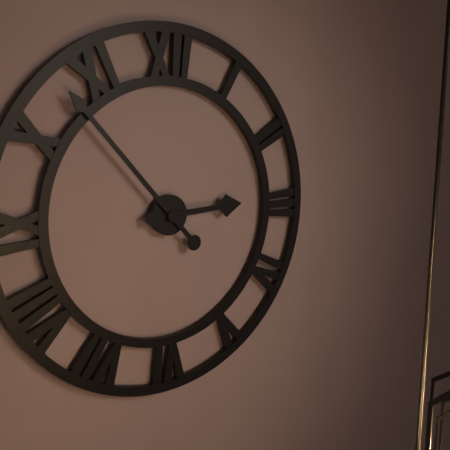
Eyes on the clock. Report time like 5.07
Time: 2.53
